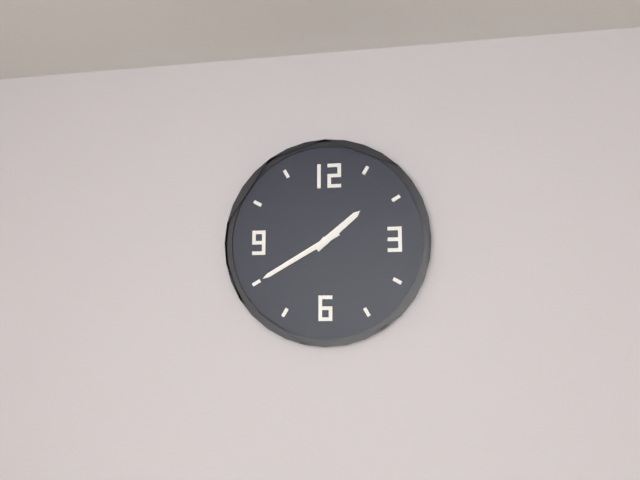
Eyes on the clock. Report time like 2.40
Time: 1.40
